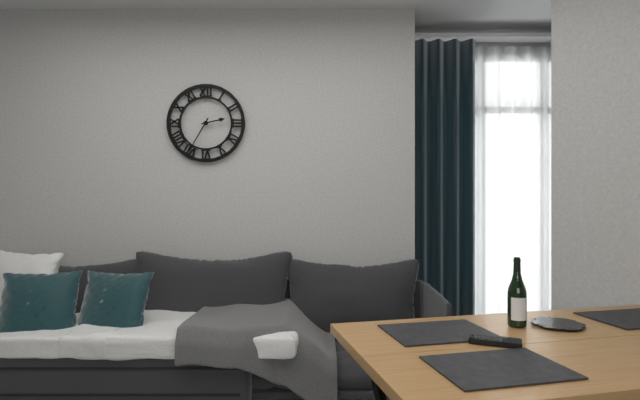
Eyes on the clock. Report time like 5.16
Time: 2.35
